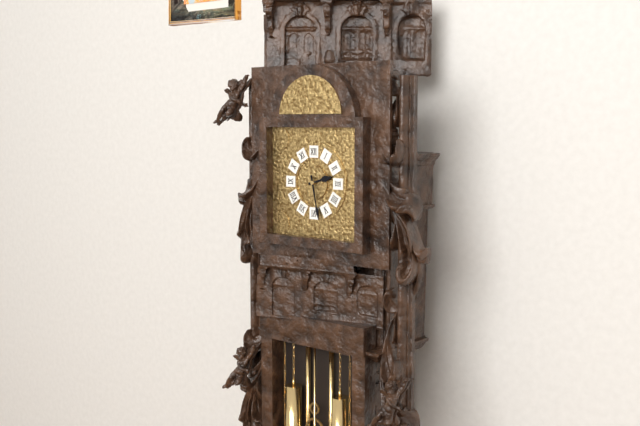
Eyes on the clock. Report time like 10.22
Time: 2.28
